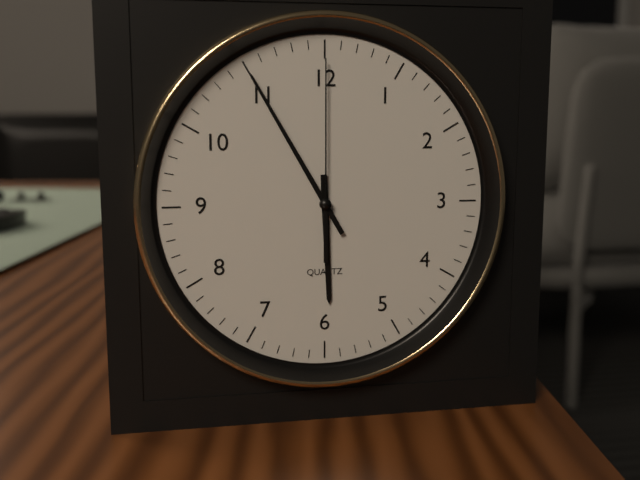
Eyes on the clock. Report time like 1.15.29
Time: 5.55.00
